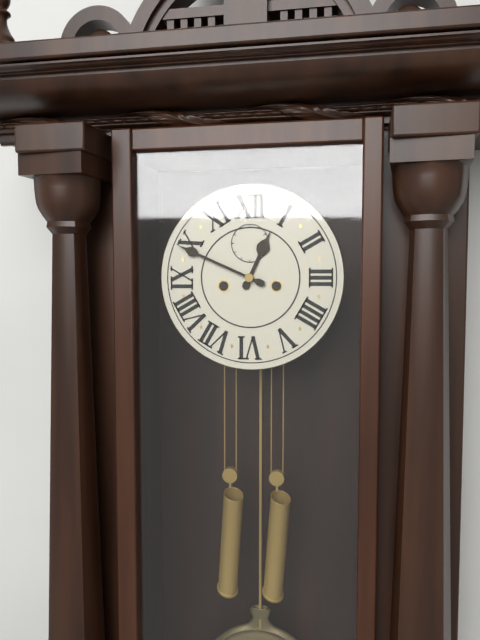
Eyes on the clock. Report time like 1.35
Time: 12.49
